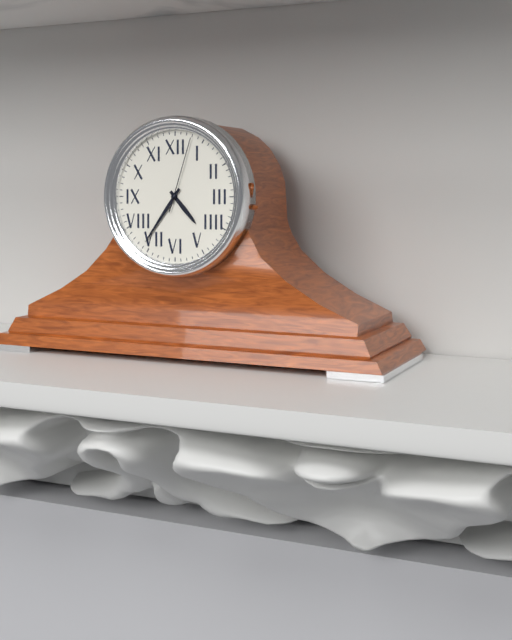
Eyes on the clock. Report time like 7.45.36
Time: 4.36.03
